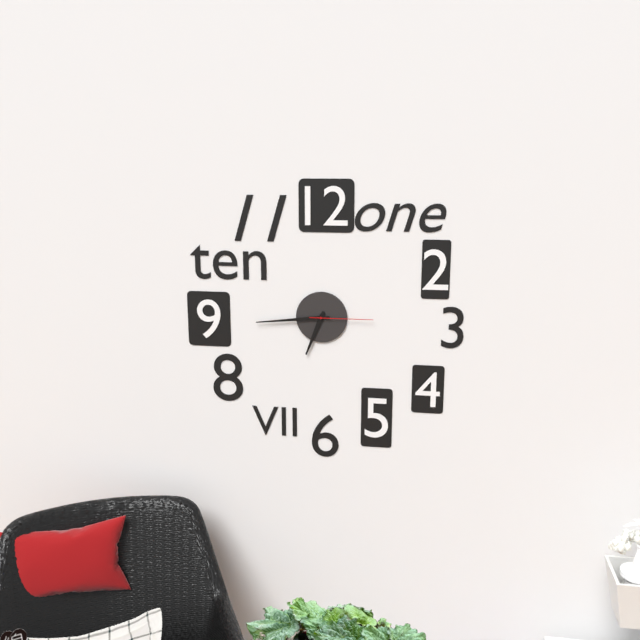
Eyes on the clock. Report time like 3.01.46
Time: 6.44.15
